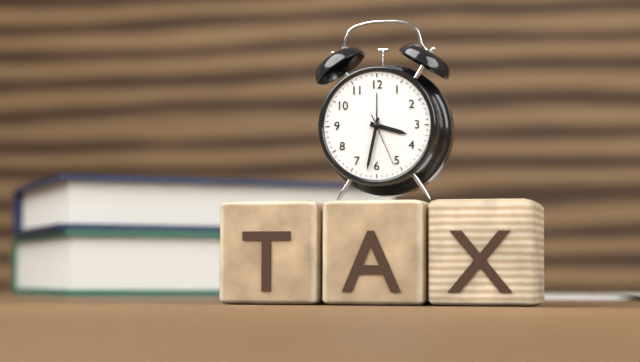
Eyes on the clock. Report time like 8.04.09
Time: 3.32.26
